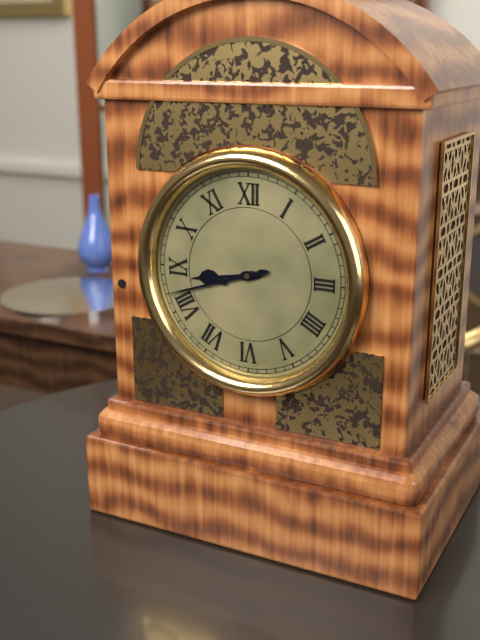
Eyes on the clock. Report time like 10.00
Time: 8.42
